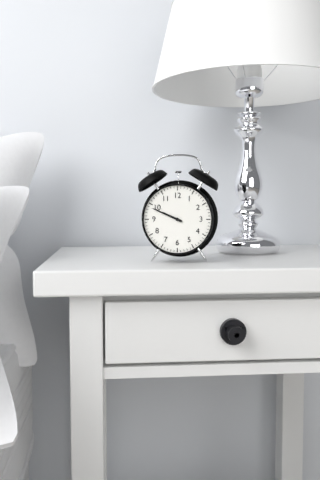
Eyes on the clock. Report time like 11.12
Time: 9.49
